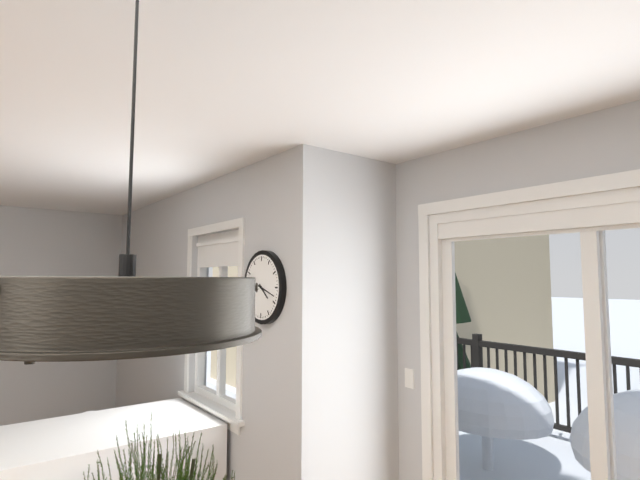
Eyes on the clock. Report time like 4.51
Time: 4.18
